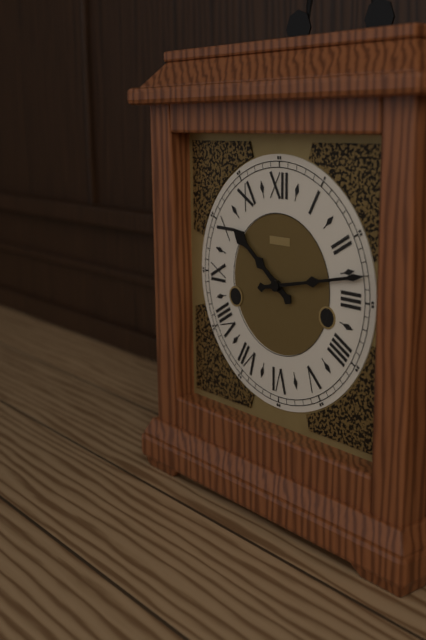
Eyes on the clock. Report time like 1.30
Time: 10.13
